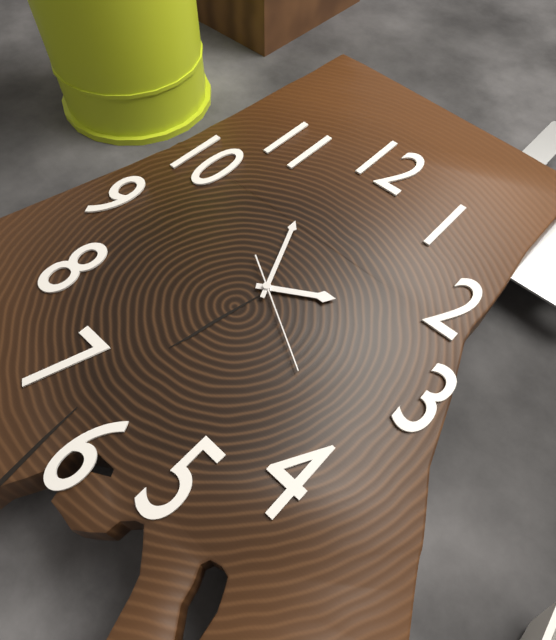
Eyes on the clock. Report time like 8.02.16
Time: 1.56.20
